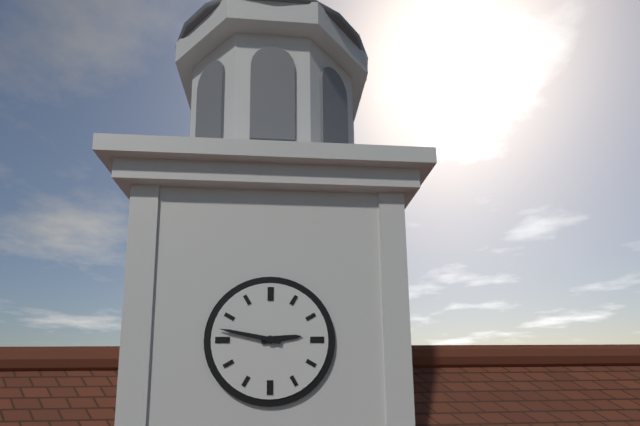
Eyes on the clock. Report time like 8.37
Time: 2.47
